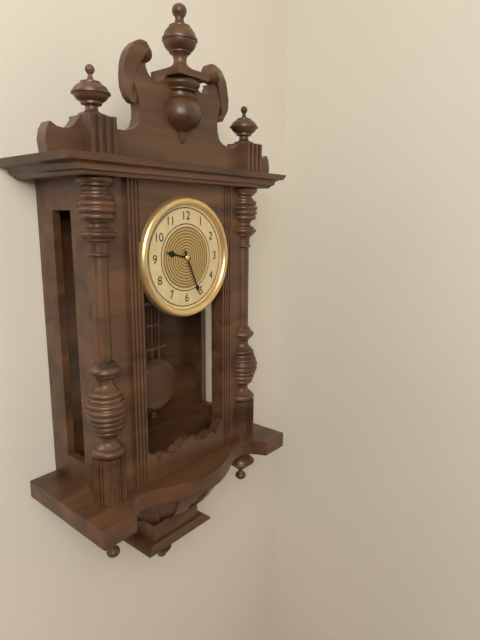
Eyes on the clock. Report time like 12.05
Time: 9.26
